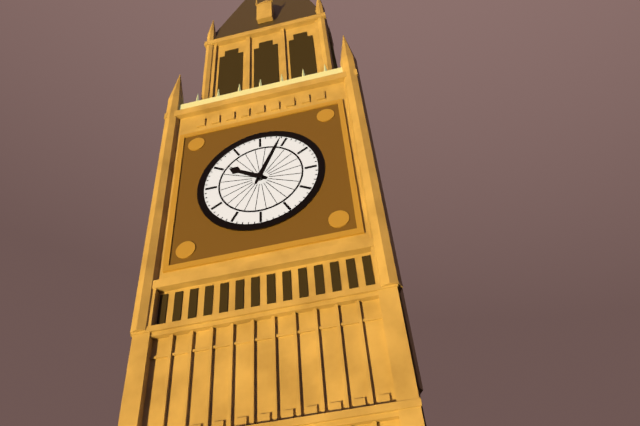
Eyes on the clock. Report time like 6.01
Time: 10.04
